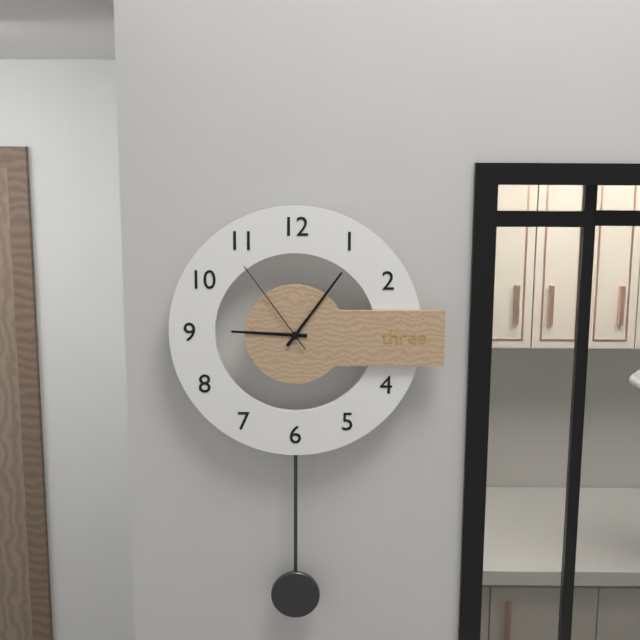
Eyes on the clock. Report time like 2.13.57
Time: 9.06.54
